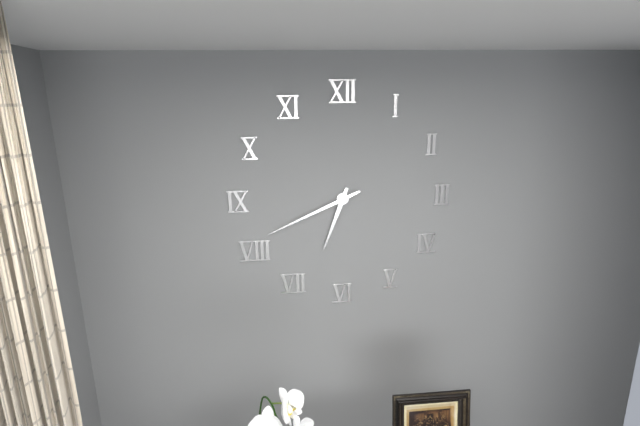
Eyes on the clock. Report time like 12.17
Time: 6.41
